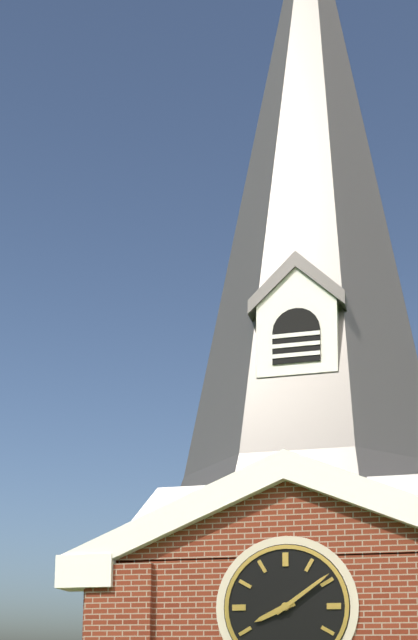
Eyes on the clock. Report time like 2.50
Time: 8.09
